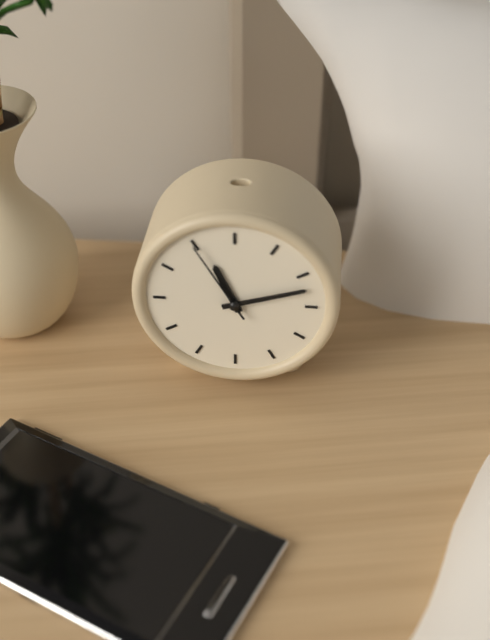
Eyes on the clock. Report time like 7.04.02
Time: 11.12.55
